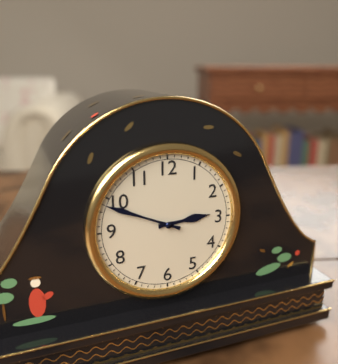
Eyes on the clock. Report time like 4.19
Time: 2.49
